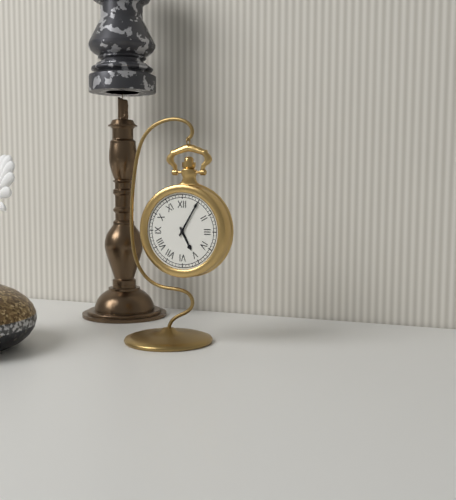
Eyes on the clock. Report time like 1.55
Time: 5.05
